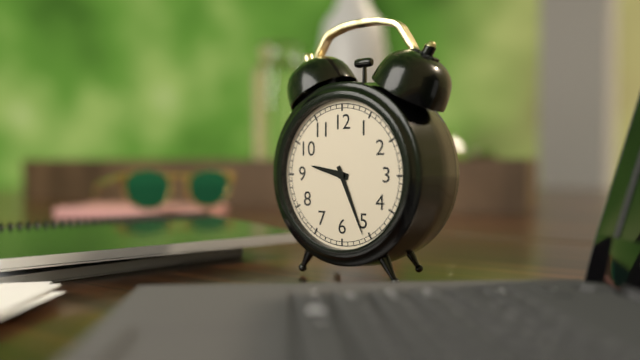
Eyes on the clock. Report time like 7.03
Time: 9.26
